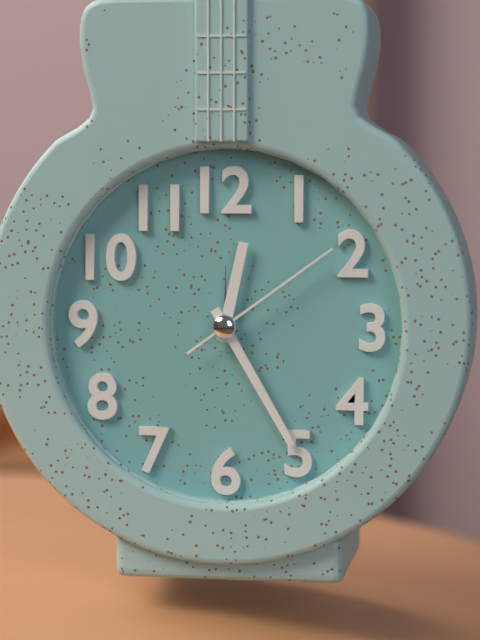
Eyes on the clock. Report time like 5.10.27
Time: 12.25.09
